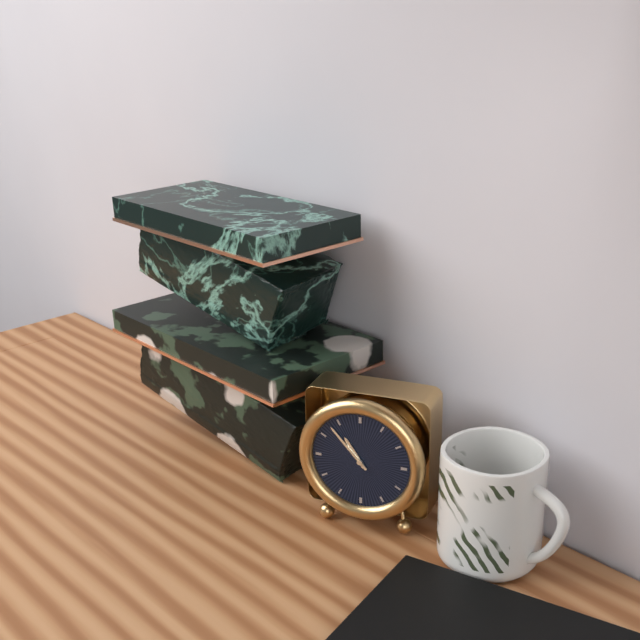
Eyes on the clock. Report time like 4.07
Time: 10.53
